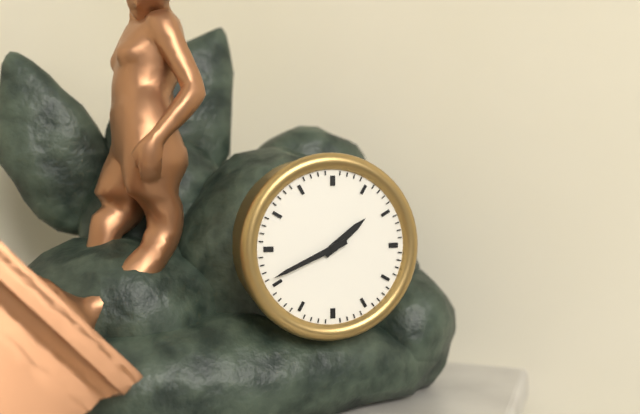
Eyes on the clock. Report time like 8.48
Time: 1.41
